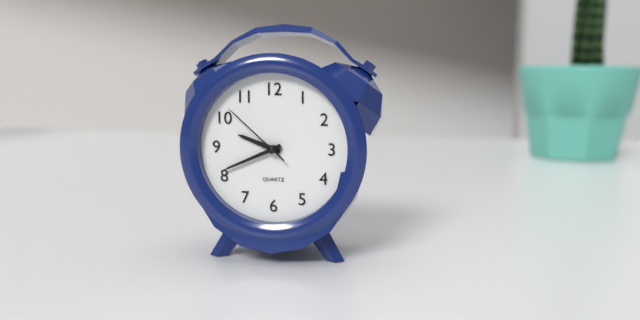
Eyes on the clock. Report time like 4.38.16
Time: 9.41.52
